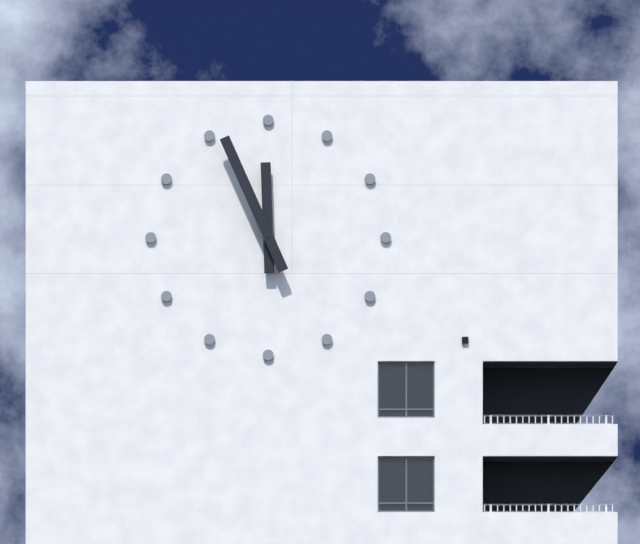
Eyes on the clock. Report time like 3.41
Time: 11.56
